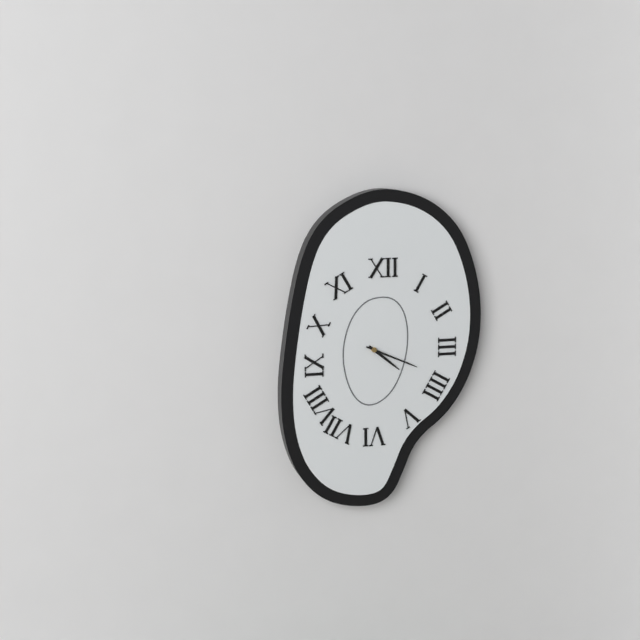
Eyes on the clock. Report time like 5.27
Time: 4.19
